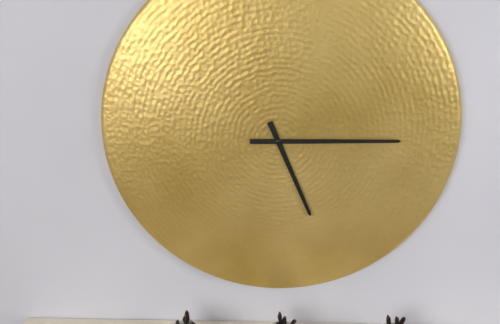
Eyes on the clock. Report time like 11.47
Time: 5.15
